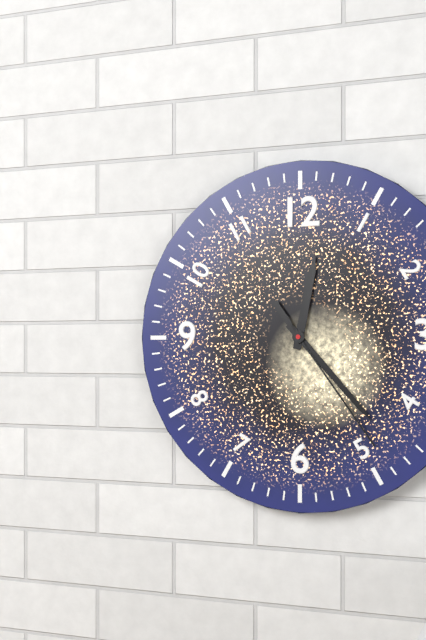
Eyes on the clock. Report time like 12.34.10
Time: 12.23.24
